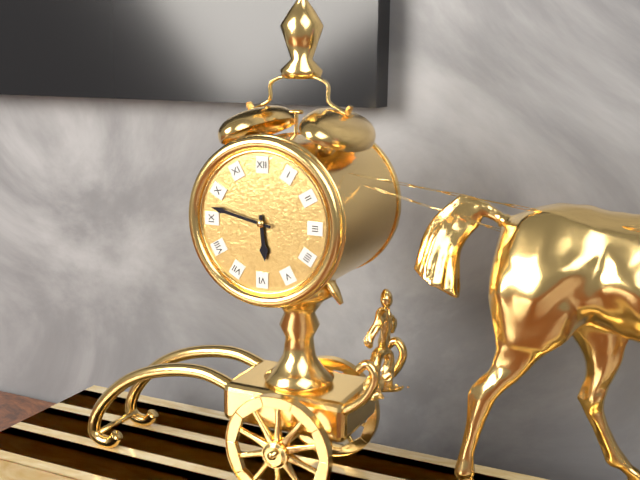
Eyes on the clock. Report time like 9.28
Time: 5.47
